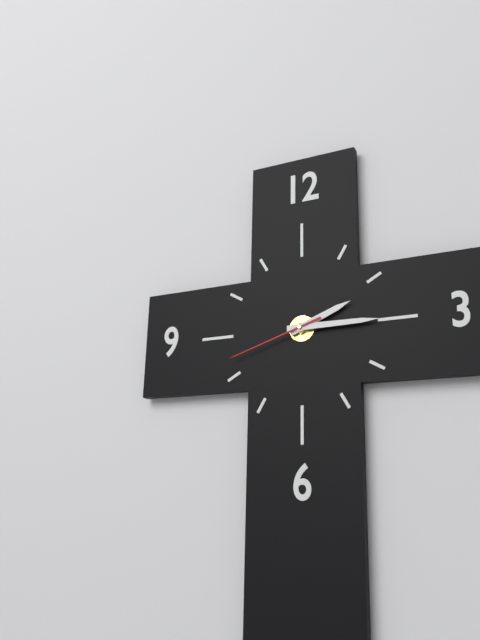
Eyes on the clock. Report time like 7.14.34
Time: 2.15.42
